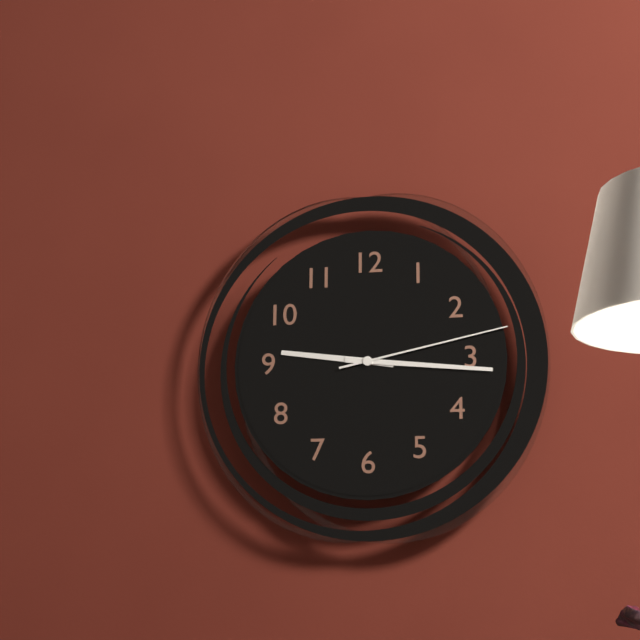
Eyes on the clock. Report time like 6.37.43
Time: 9.16.13
